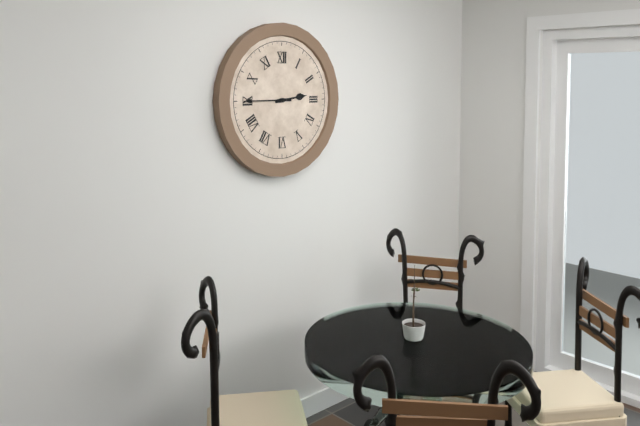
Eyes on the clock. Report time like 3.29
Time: 2.45
